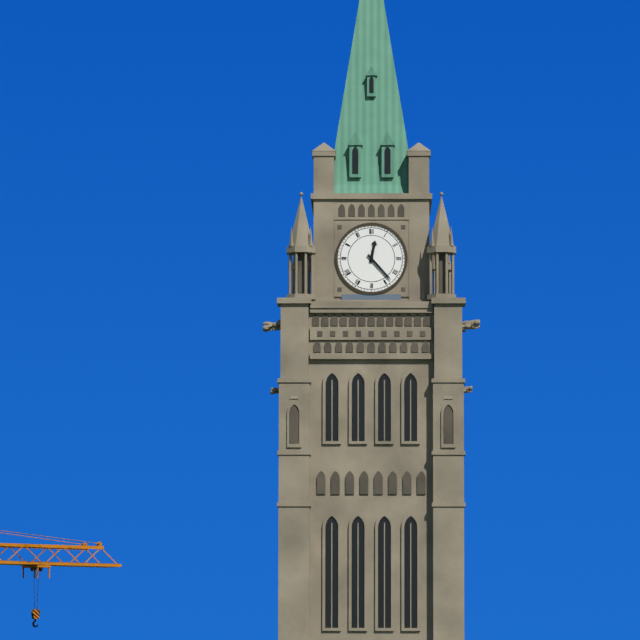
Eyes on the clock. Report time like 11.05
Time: 12.23
